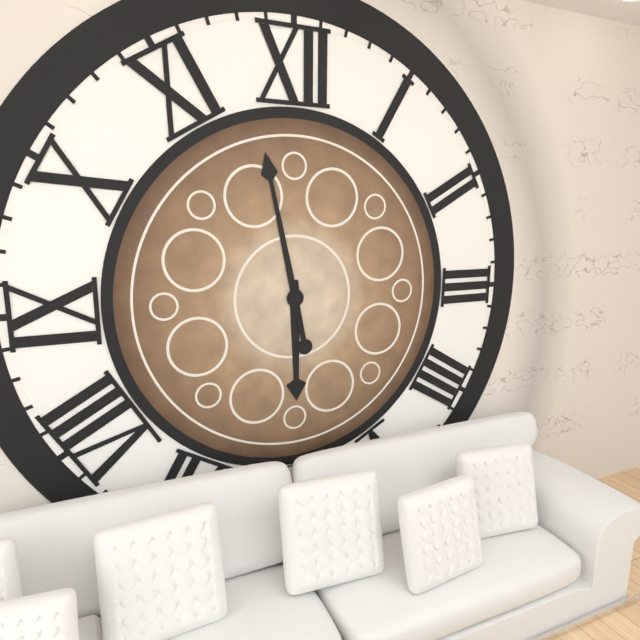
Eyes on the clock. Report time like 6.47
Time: 5.58
